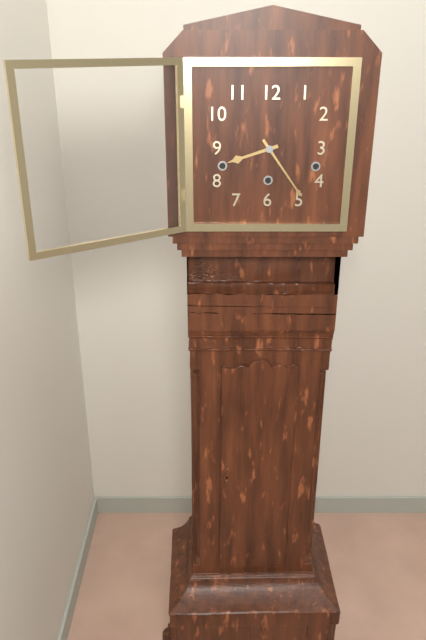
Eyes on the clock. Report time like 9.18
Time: 8.24
